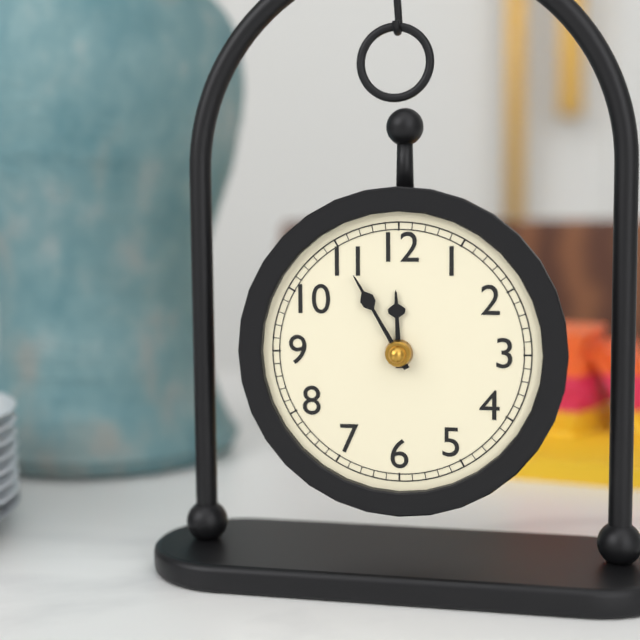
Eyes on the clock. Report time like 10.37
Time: 11.55
